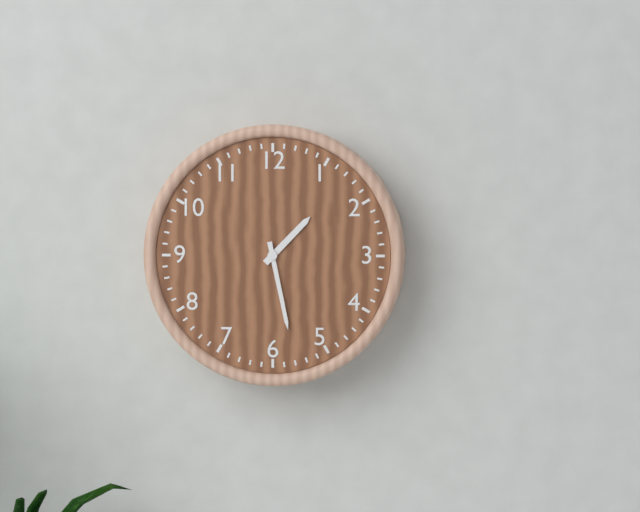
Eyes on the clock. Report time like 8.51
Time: 1.28
